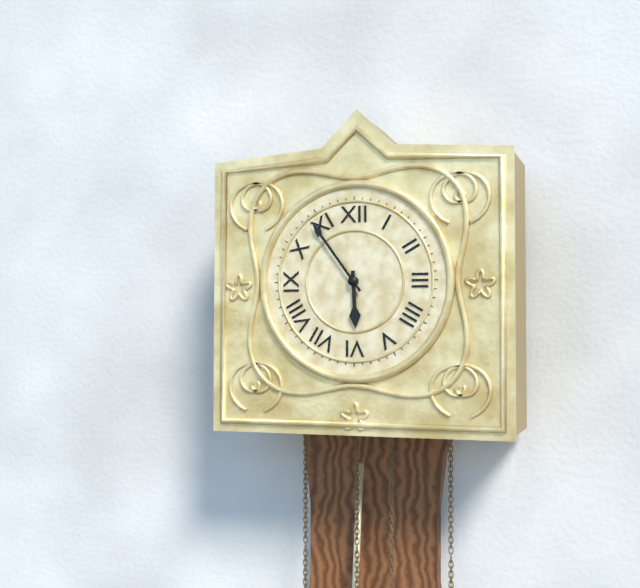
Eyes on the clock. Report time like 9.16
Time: 5.54
